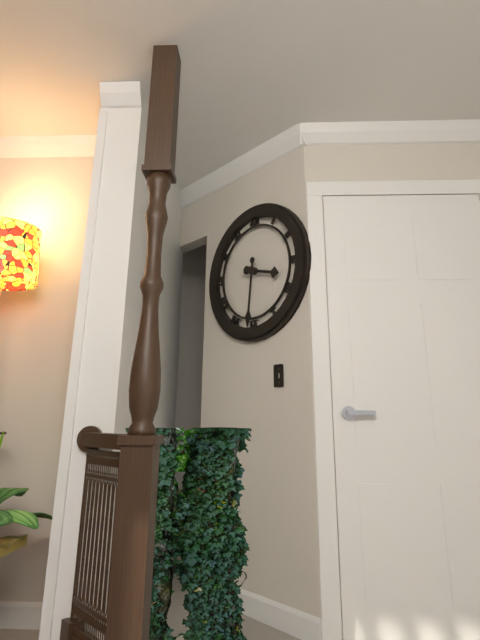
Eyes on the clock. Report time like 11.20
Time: 3.31
